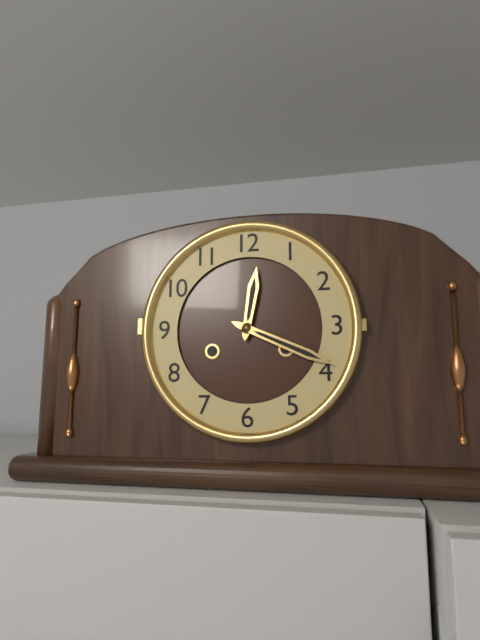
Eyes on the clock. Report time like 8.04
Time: 12.19
